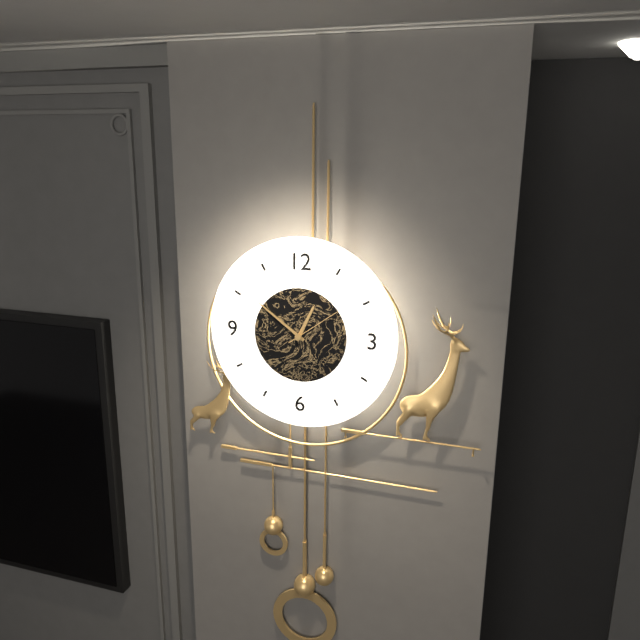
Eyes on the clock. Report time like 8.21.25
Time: 12.51.09
